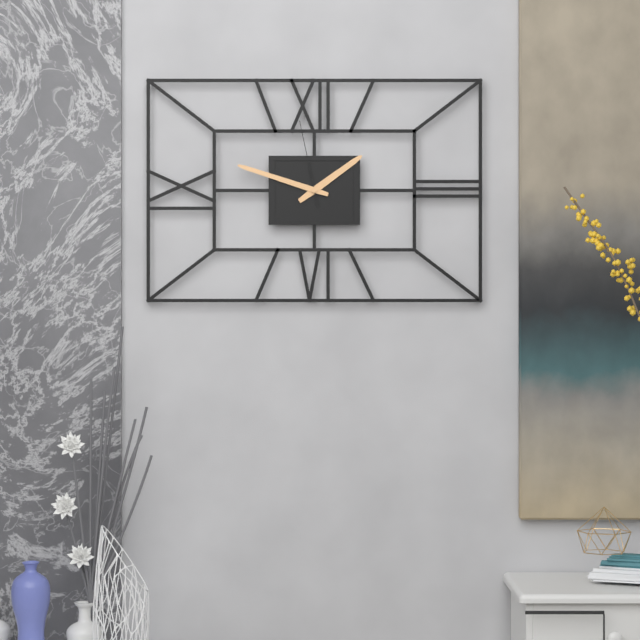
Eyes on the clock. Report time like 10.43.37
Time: 1.48.58
